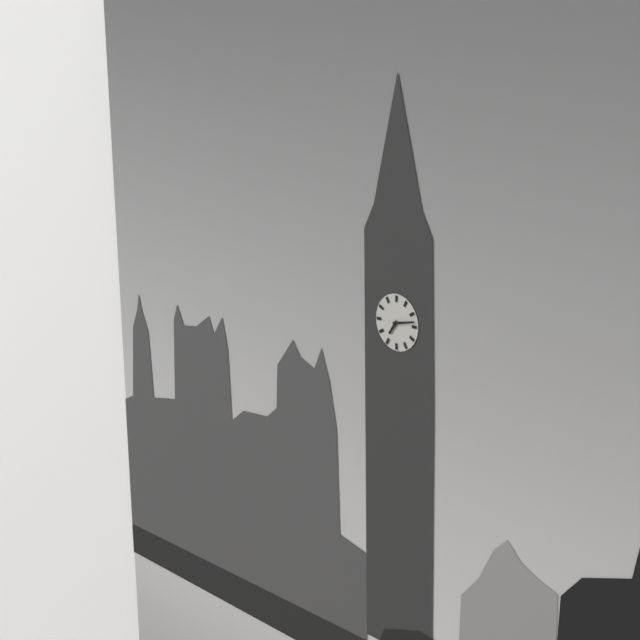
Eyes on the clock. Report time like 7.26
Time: 7.13
